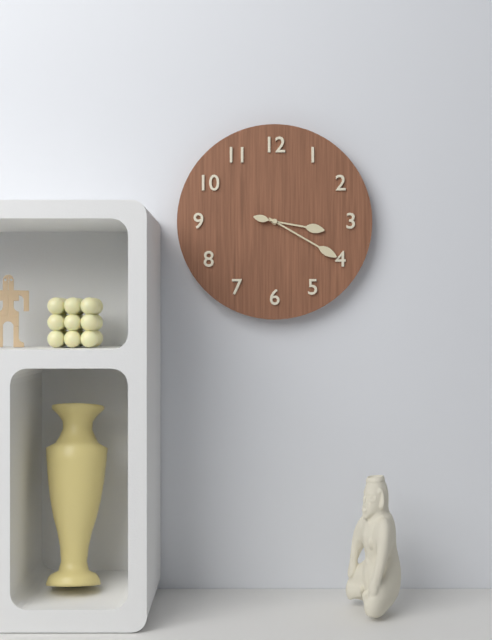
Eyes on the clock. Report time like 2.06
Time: 3.20
